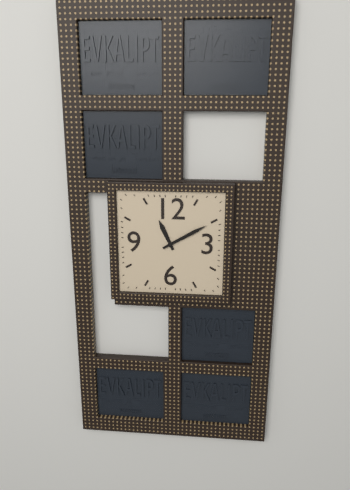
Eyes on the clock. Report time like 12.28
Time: 11.10
